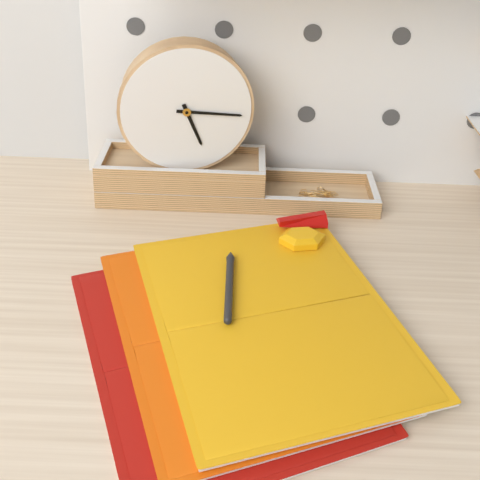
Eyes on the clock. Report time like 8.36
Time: 5.16
